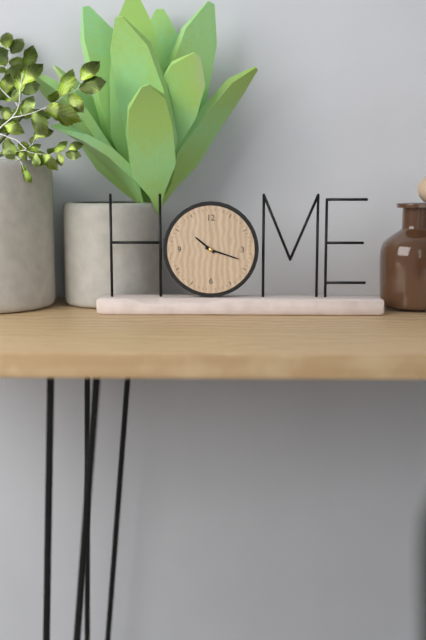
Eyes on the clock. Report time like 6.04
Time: 10.18
